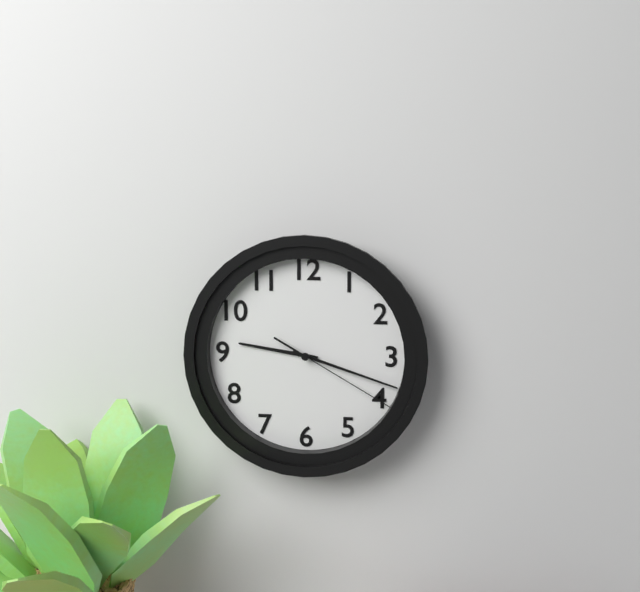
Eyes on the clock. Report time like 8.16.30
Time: 9.18.20
